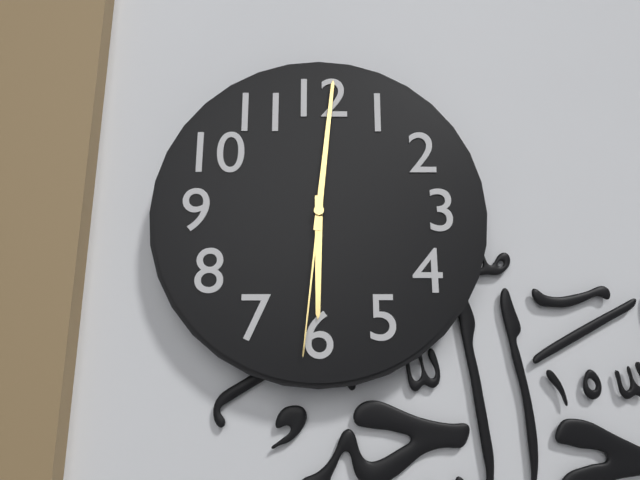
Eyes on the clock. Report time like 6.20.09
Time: 6.01.31
